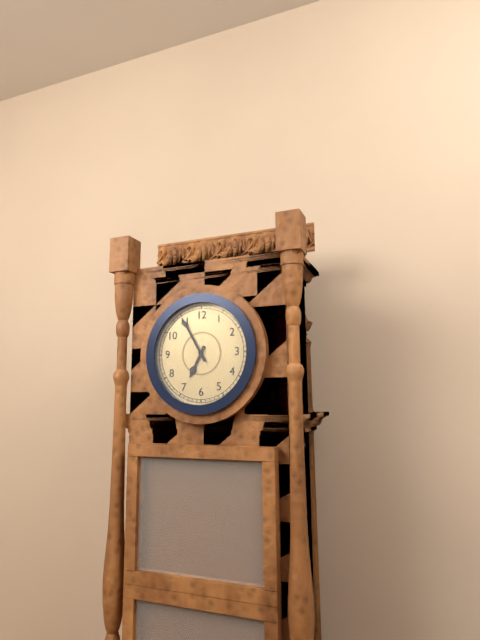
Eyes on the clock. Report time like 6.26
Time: 6.55
